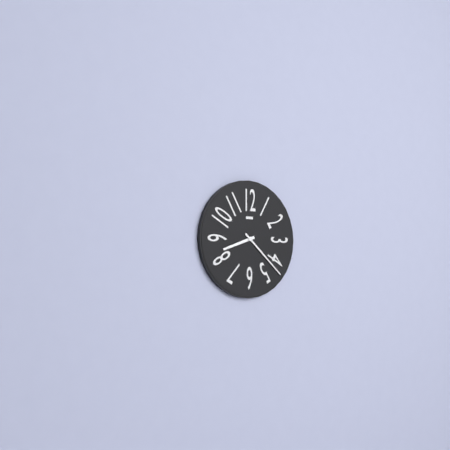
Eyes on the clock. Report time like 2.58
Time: 8.22
